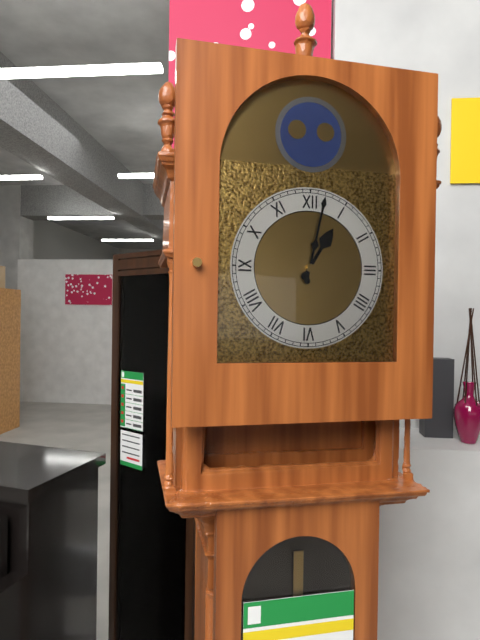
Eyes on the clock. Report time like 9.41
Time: 1.02
